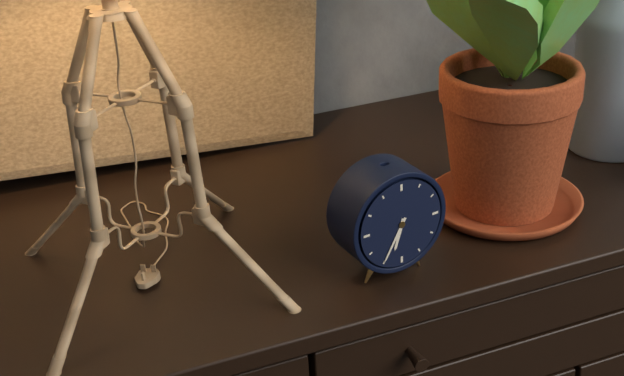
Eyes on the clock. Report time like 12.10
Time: 6.35
